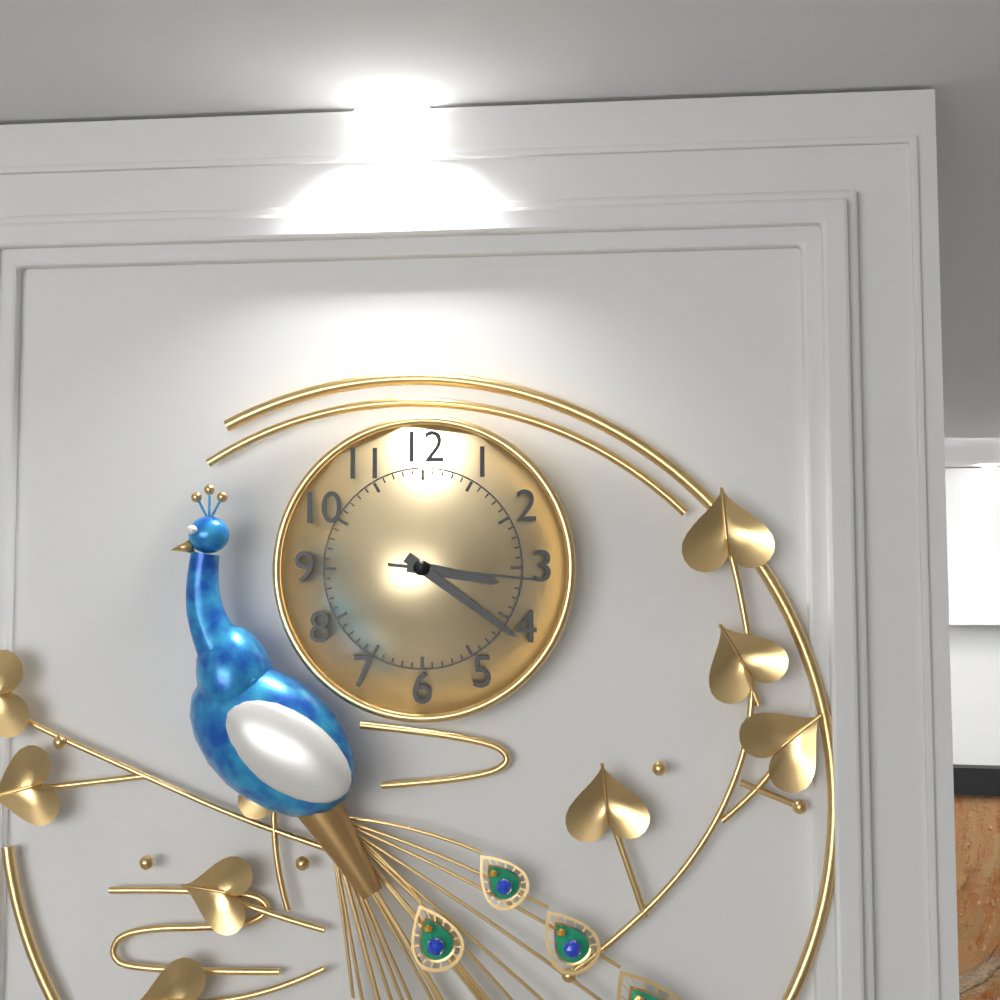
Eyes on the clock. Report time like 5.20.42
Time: 3.21.16
